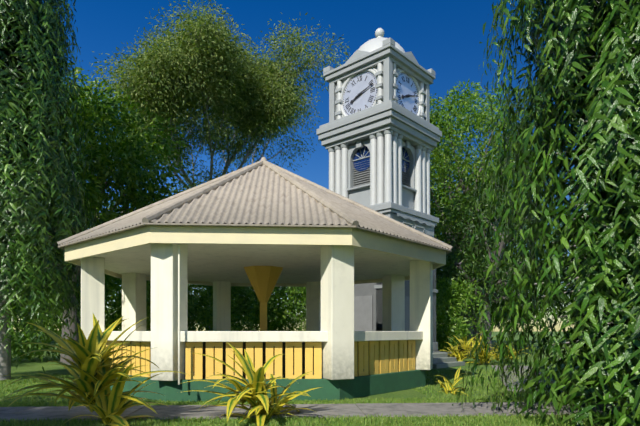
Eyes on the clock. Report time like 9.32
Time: 8.12
